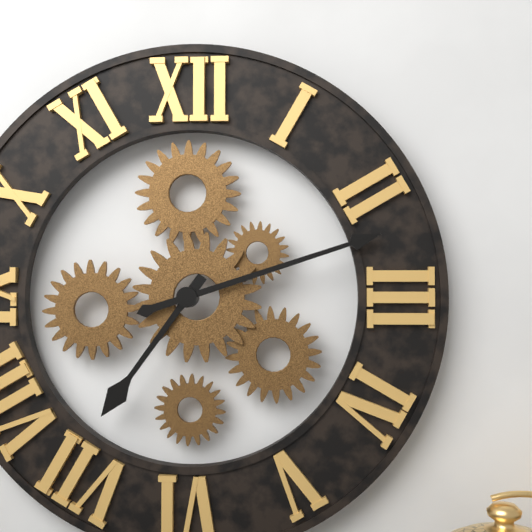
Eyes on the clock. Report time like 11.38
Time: 7.12
